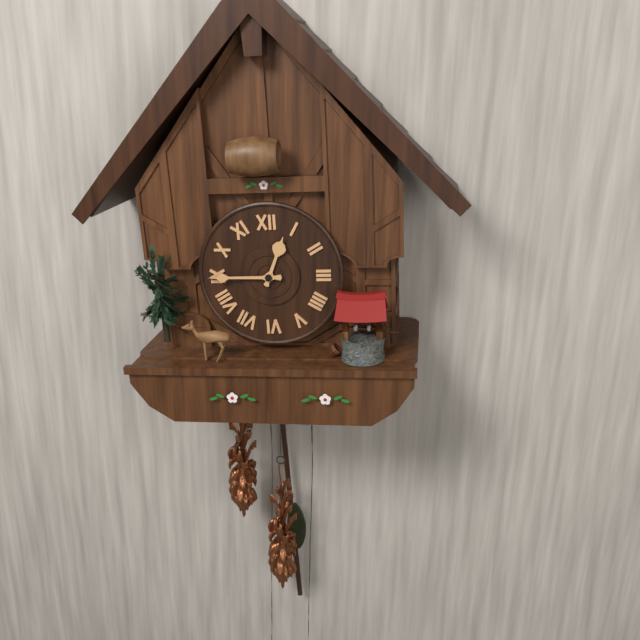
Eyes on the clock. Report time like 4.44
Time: 12.45
